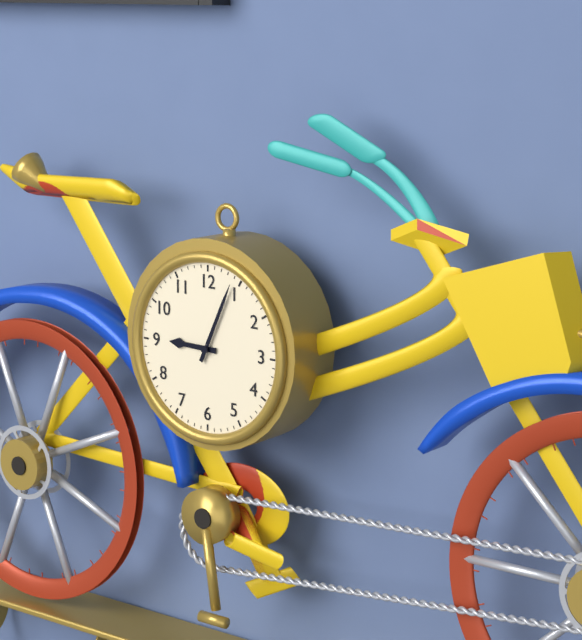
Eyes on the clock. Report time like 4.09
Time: 9.04
